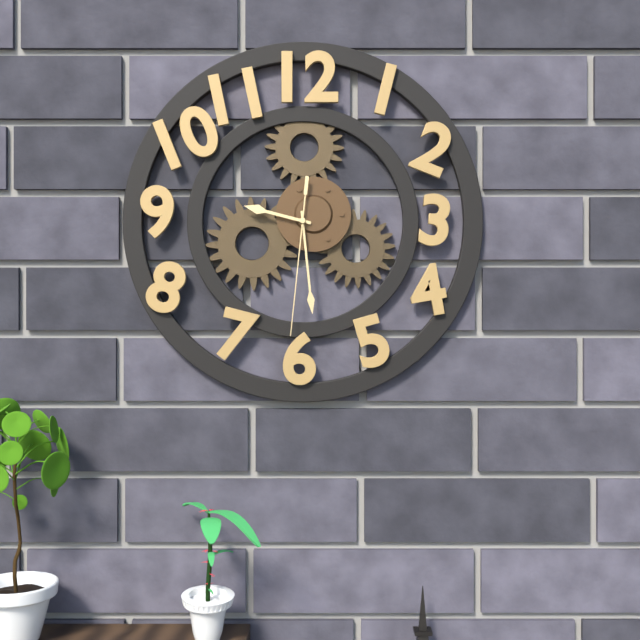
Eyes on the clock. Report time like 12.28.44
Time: 9.29.31
